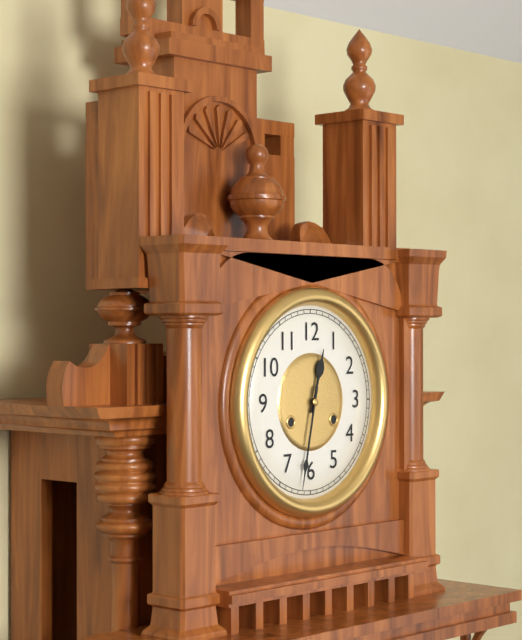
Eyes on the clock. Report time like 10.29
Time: 12.32
